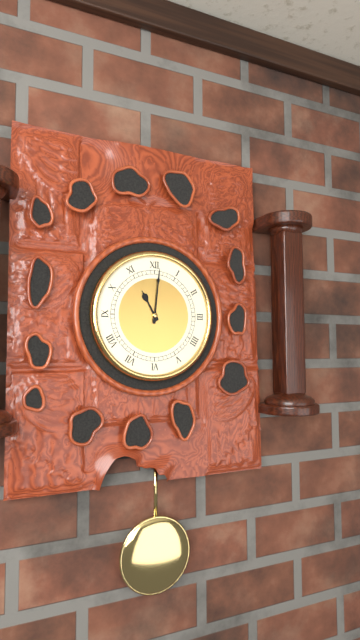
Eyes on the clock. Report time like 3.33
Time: 11.01
